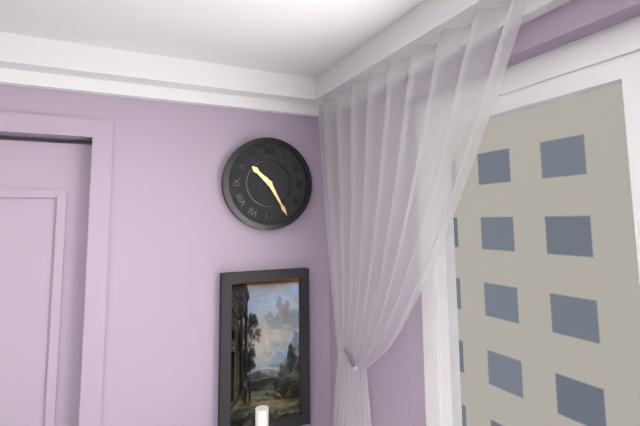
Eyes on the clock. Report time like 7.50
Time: 10.25
